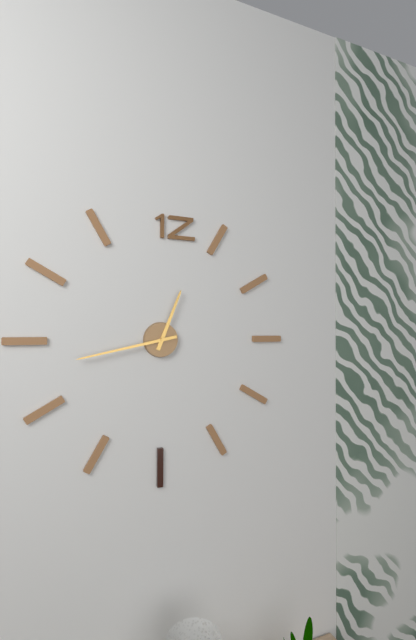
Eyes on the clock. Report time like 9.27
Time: 12.43
